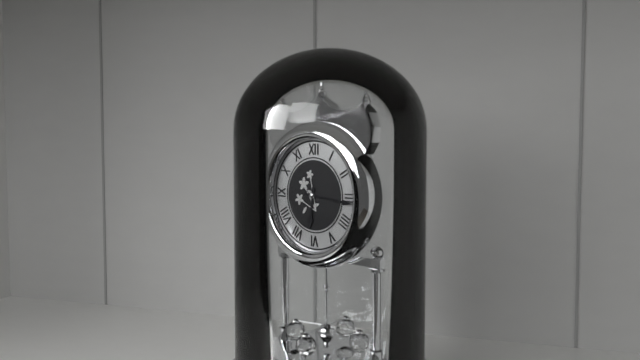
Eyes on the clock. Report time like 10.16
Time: 6.16
